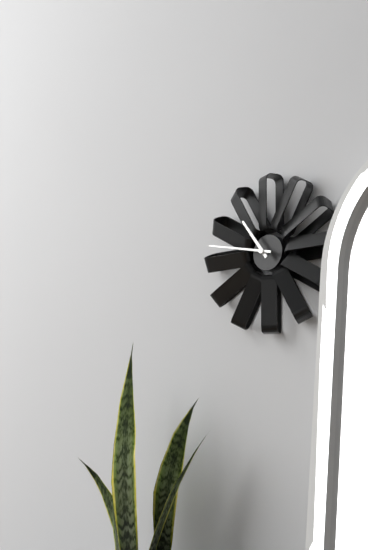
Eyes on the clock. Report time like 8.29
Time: 10.47
